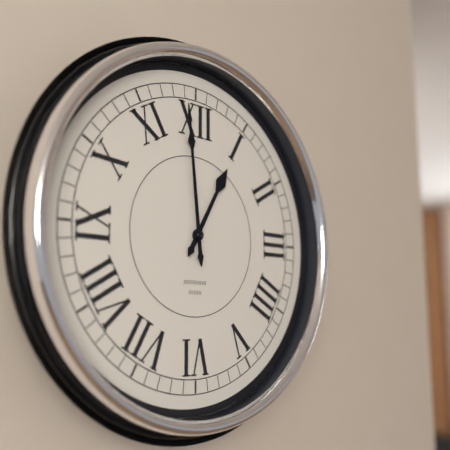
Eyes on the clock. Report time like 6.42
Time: 12.59
